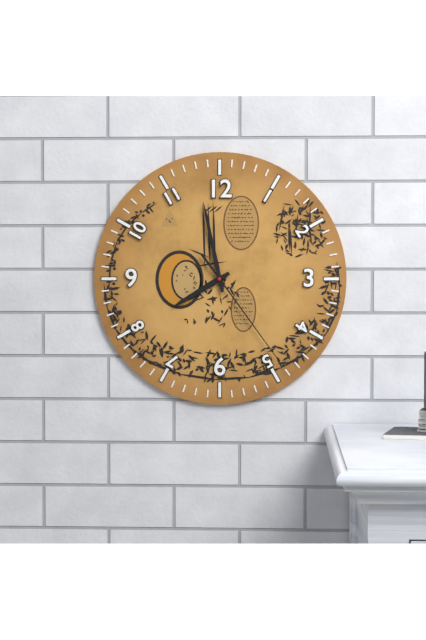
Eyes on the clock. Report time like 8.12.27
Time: 7.58.24
